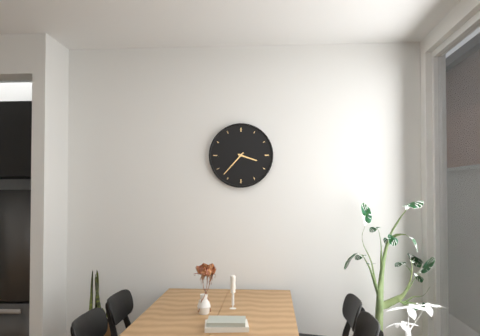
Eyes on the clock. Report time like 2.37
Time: 3.37
